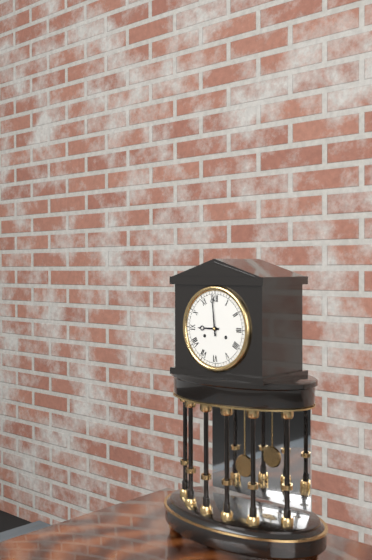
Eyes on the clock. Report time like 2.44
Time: 8.59
